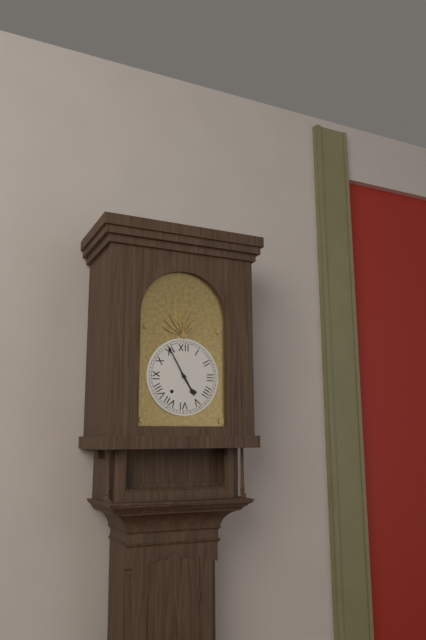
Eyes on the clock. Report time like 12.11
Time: 4.55
